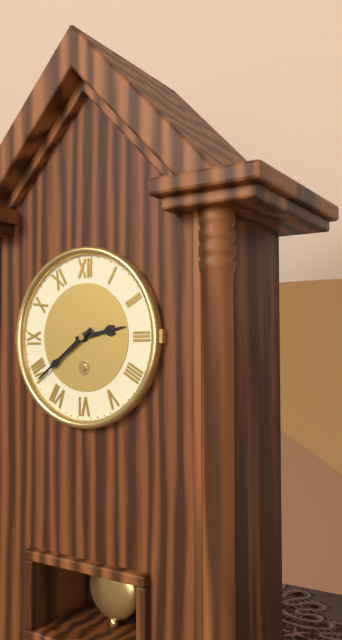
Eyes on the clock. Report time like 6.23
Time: 2.39
